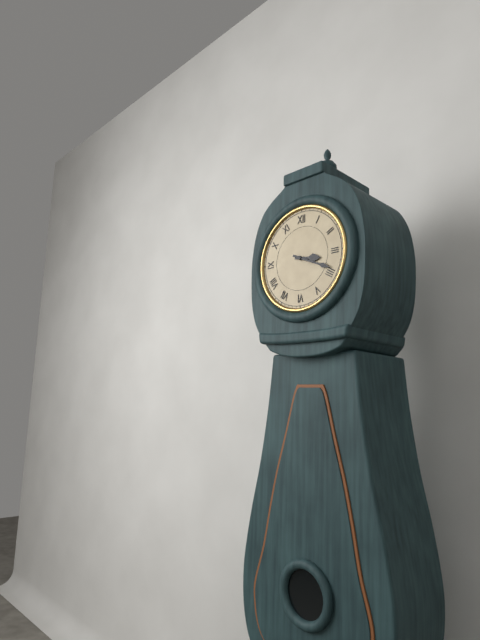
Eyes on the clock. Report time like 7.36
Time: 3.19
